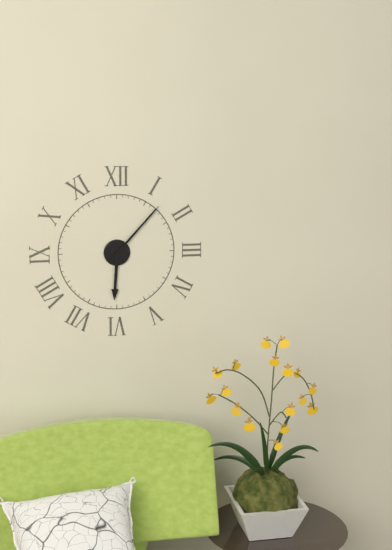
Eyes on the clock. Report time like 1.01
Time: 6.07
